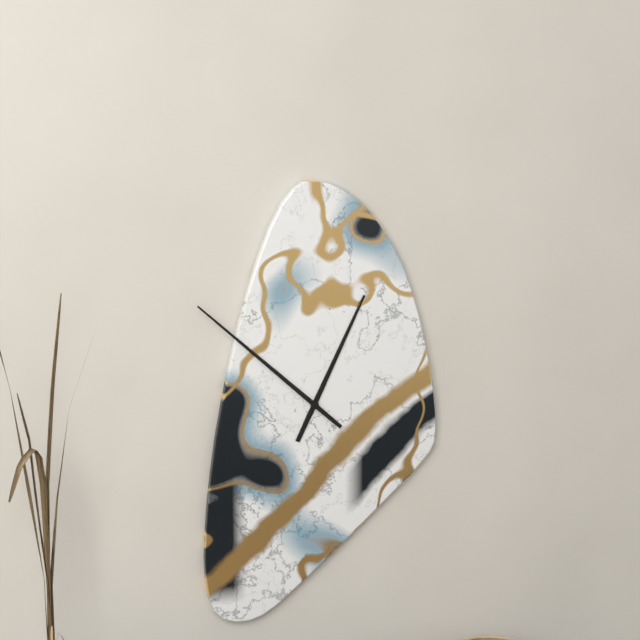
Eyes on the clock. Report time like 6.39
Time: 12.52
